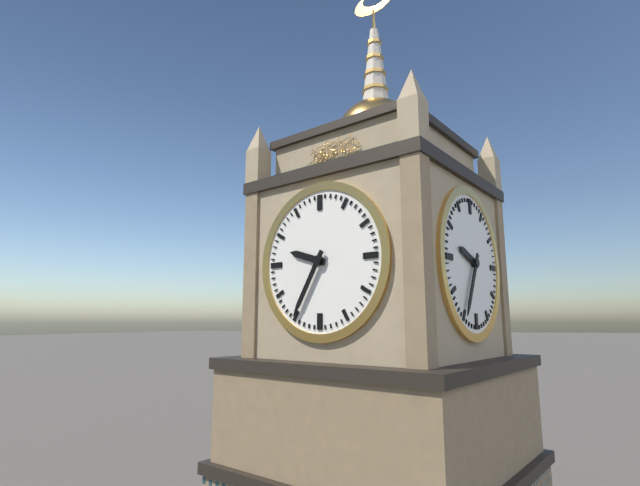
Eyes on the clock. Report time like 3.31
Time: 9.35
